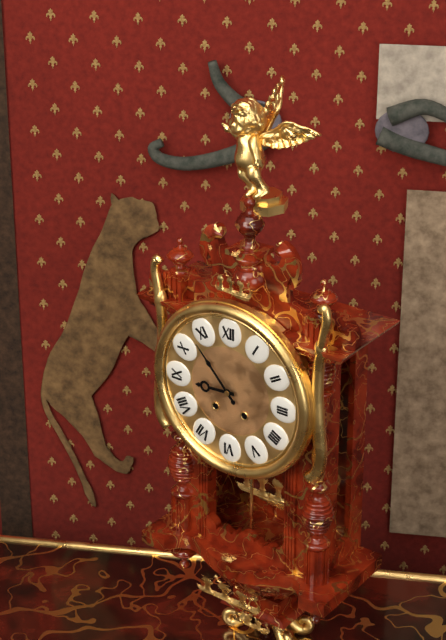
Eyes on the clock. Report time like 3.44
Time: 8.53
